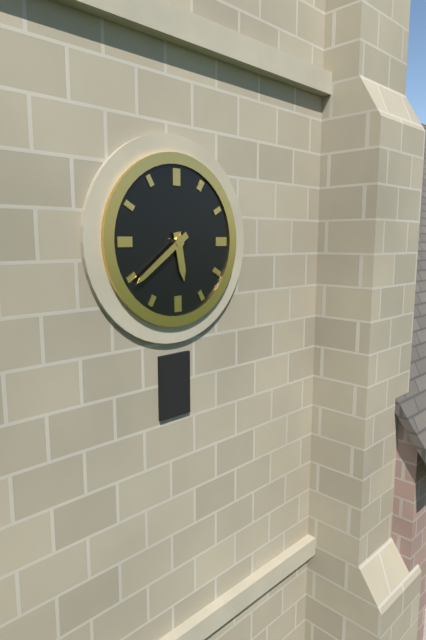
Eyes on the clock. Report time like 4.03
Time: 5.39
